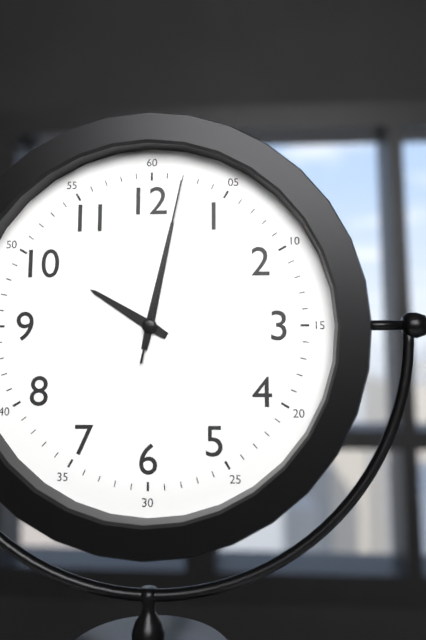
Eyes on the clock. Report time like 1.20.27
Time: 10.02.02
